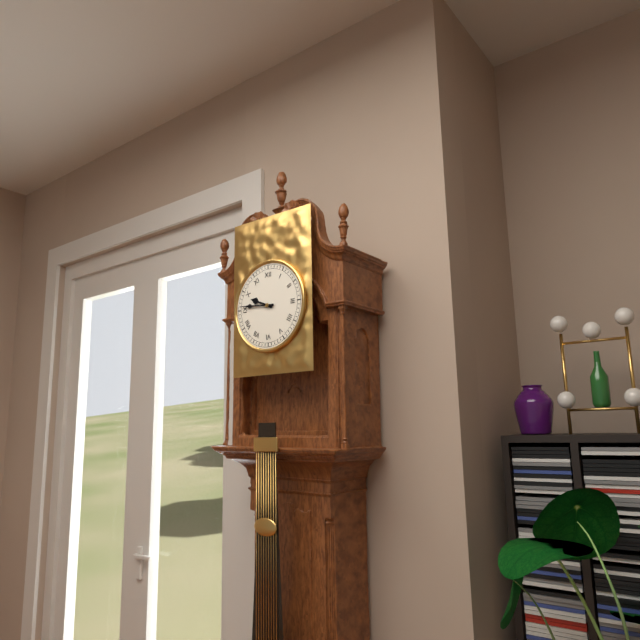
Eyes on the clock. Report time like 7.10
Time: 9.46
